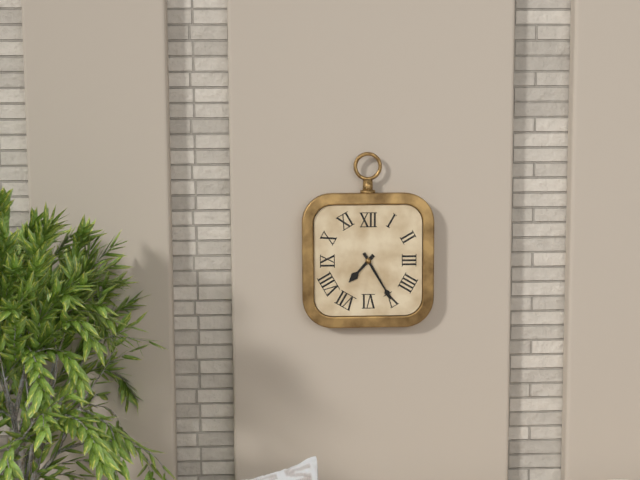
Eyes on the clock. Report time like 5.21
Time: 7.25
